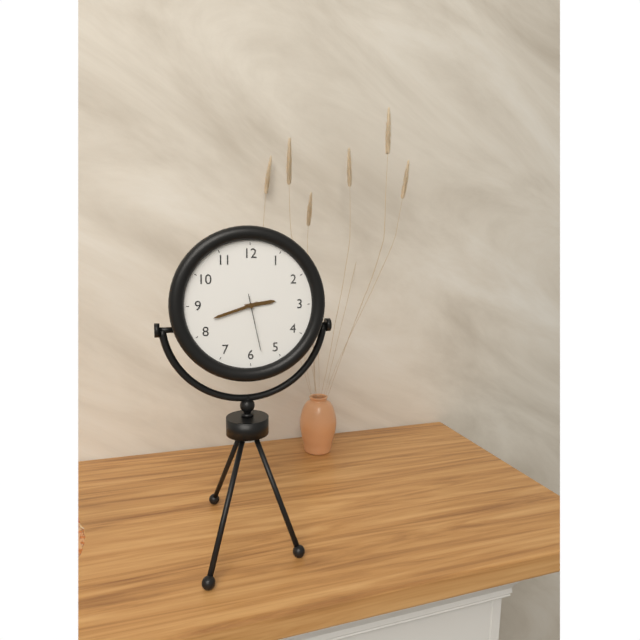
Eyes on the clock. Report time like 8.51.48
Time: 2.42.28
